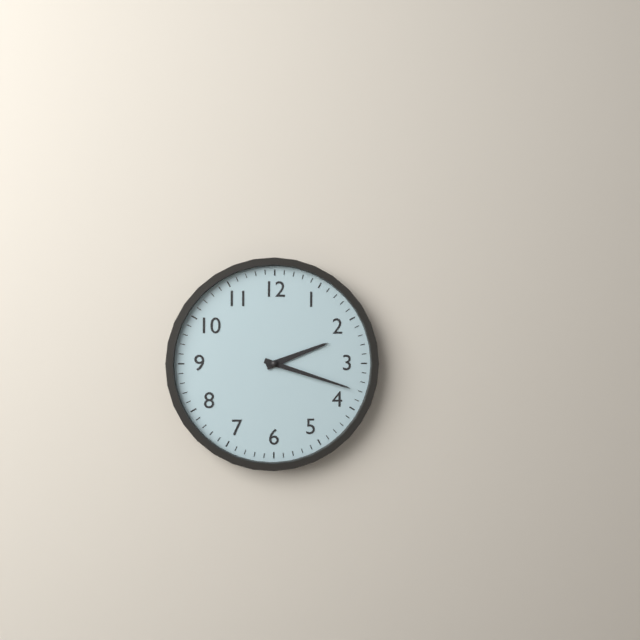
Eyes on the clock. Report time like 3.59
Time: 2.18
